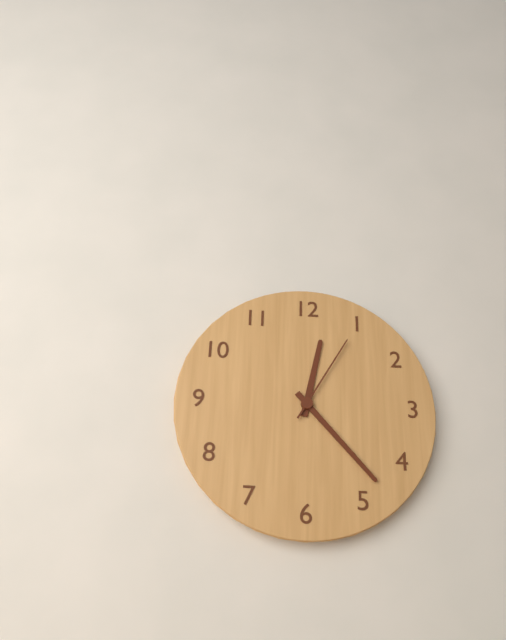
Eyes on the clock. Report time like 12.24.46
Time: 12.23.05
